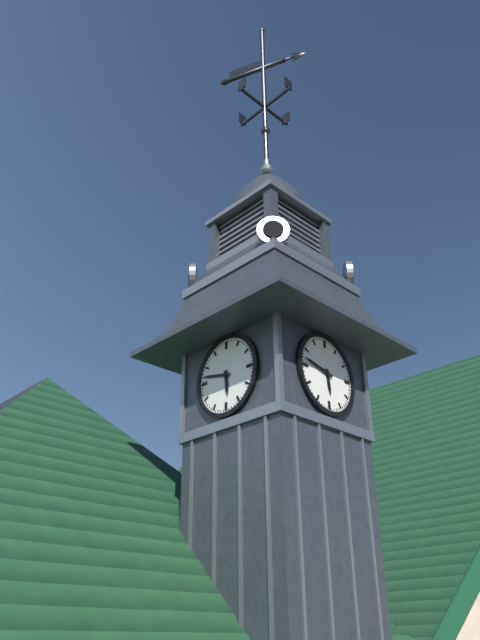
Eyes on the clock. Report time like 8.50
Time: 5.47
